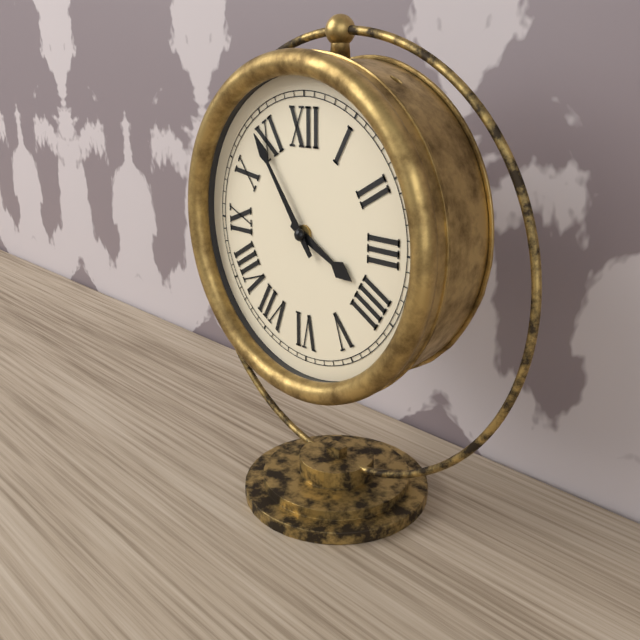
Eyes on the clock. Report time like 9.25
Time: 3.54
